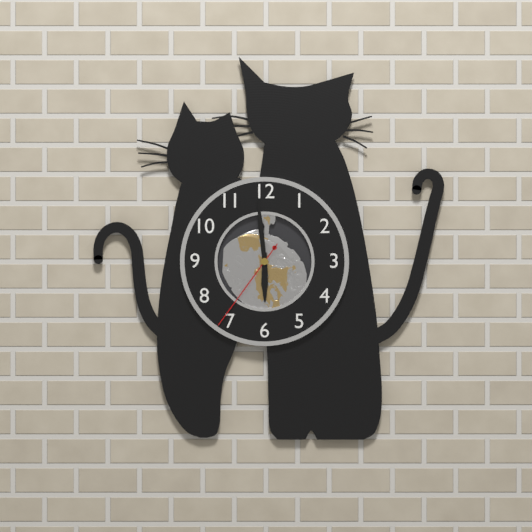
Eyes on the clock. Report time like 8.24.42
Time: 5.59.36
